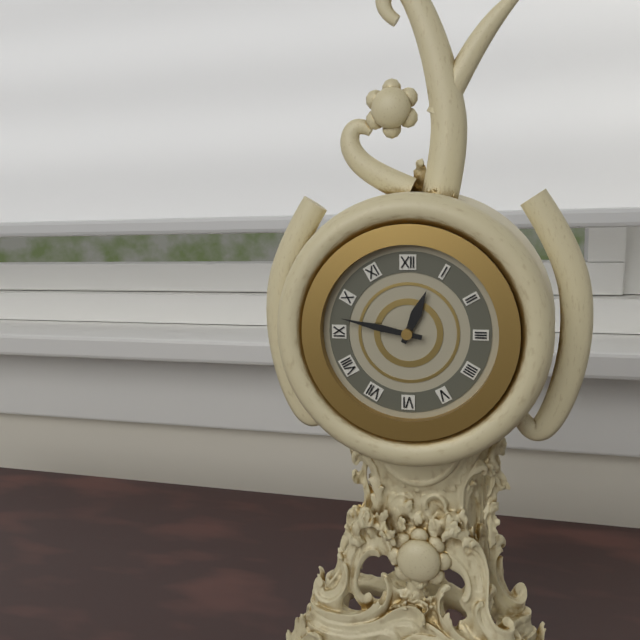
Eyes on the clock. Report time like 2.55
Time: 12.47
